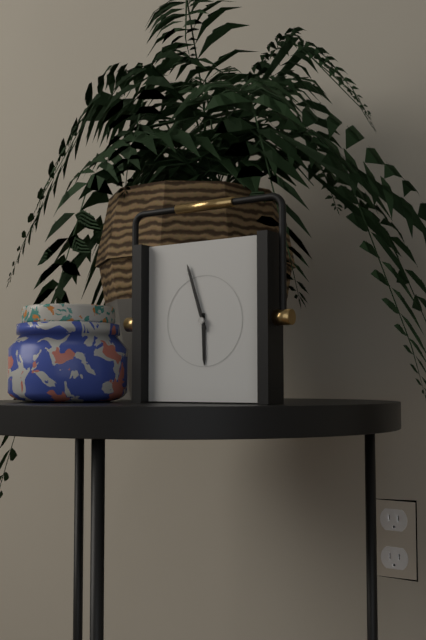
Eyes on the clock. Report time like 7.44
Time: 5.57
